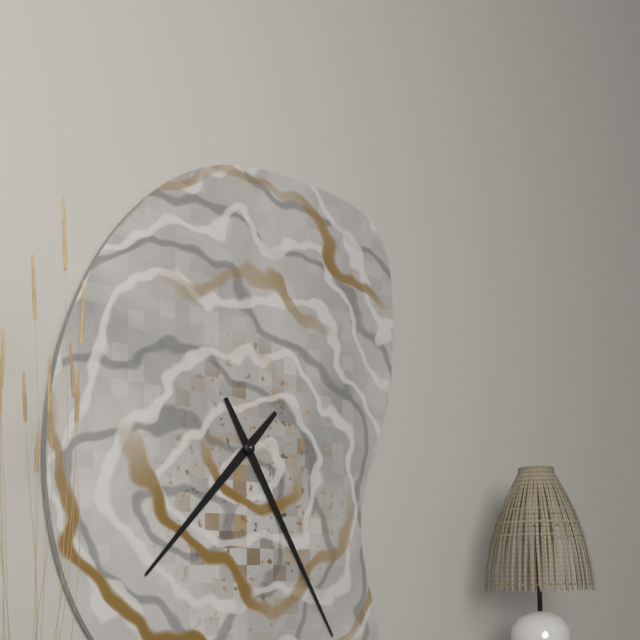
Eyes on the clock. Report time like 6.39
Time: 7.25
